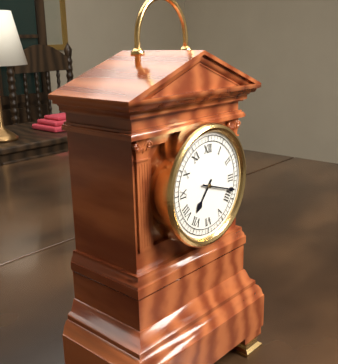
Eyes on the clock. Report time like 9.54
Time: 7.18
